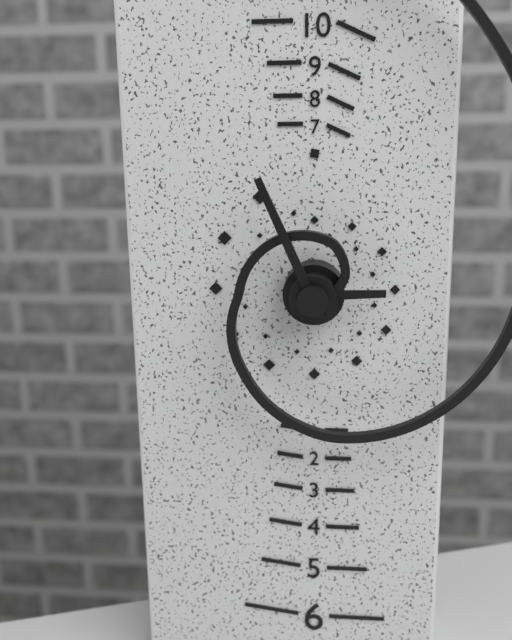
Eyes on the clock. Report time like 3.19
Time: 2.56
